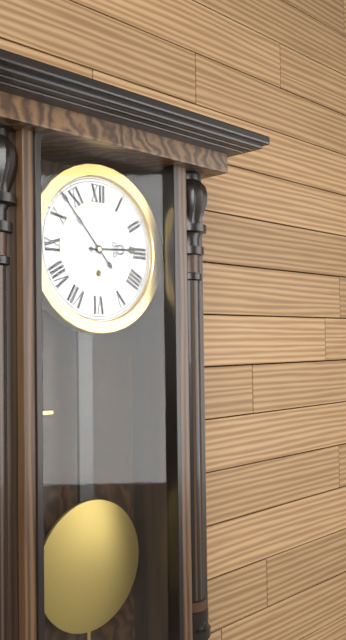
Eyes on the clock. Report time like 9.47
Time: 2.53
